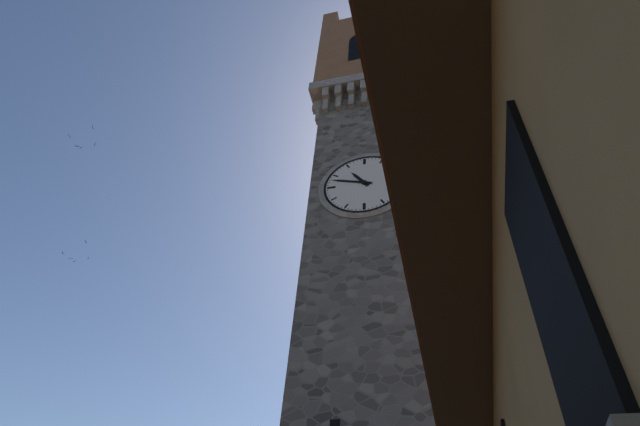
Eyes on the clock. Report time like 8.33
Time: 10.48
